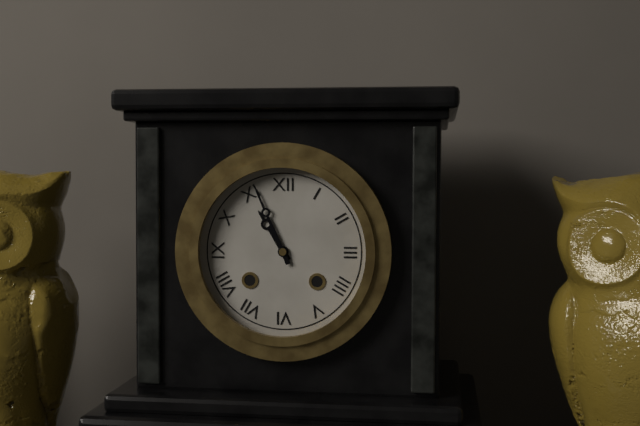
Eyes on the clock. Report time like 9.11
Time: 10.56
